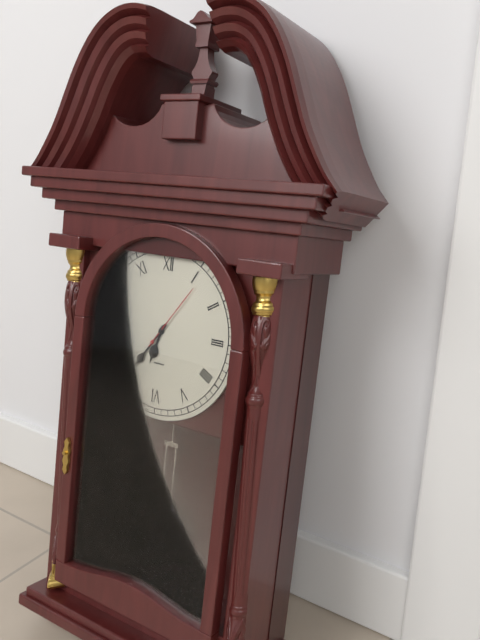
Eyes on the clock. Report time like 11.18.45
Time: 6.36.06
